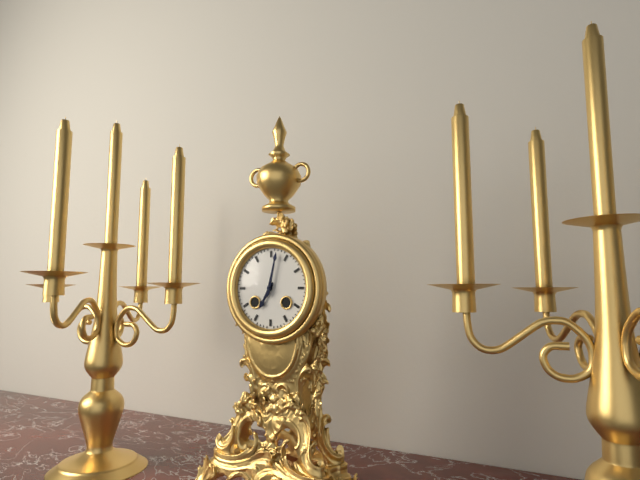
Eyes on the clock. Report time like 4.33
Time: 7.02
